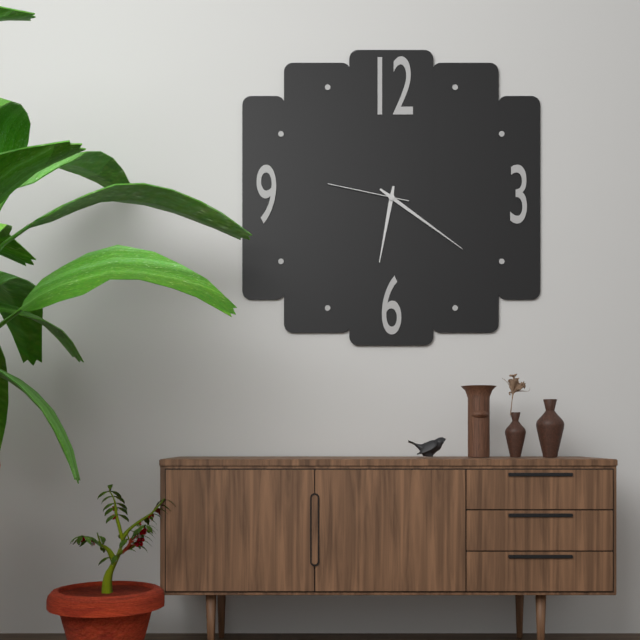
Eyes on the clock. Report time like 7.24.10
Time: 6.21.47
